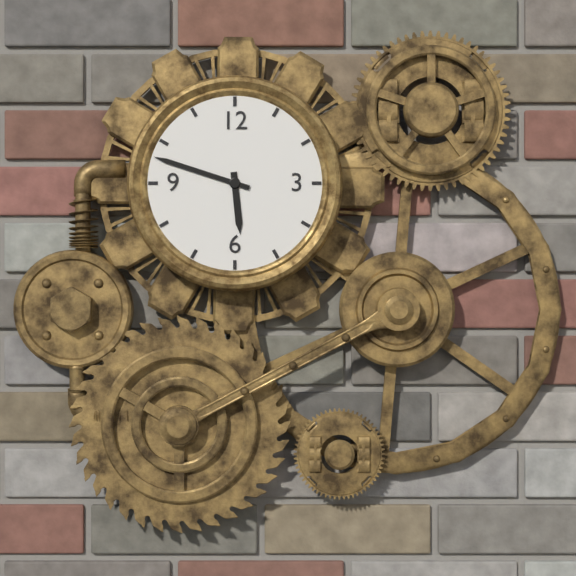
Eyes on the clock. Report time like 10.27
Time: 5.48
